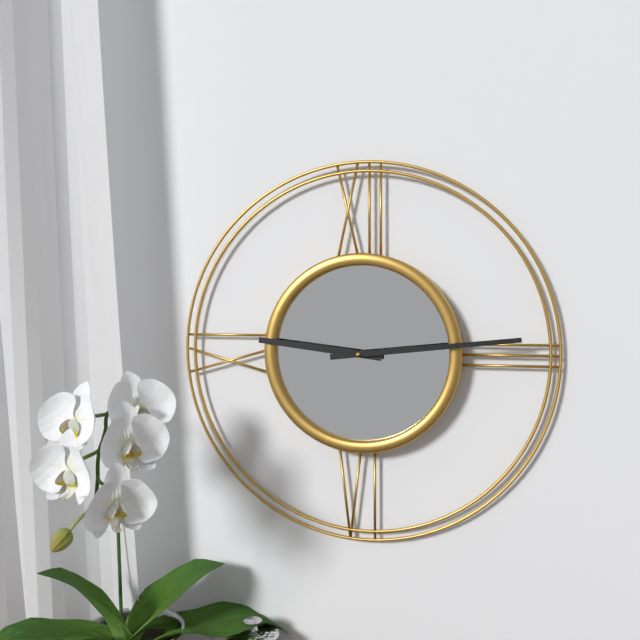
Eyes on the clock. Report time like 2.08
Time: 9.14
